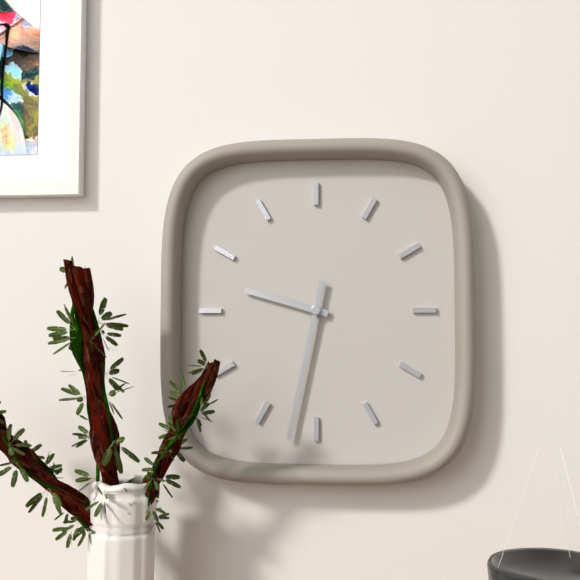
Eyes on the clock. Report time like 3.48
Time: 9.32
